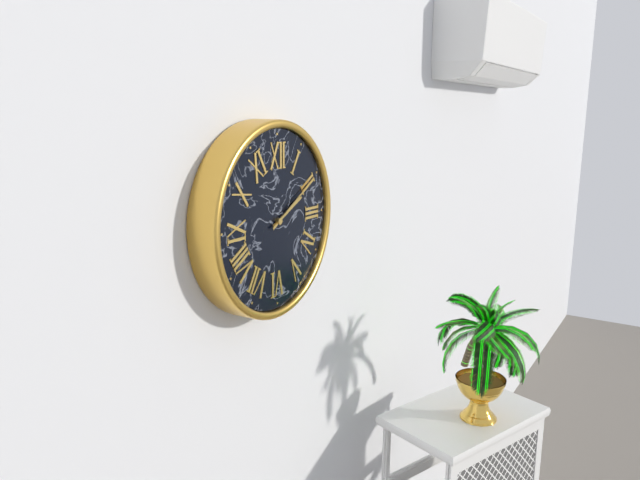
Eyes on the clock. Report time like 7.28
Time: 2.10
